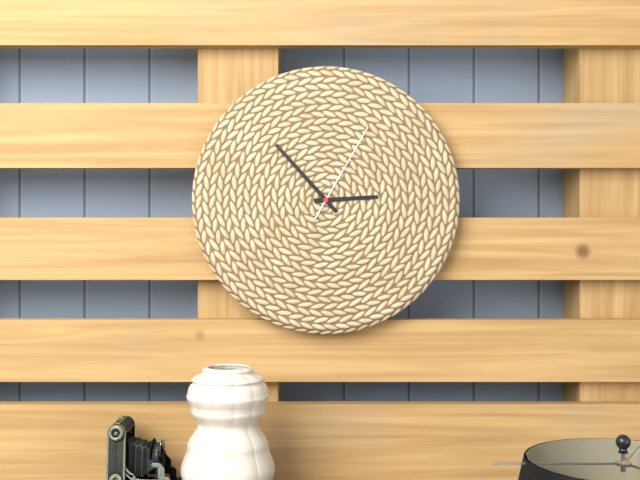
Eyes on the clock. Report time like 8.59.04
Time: 2.53.05
